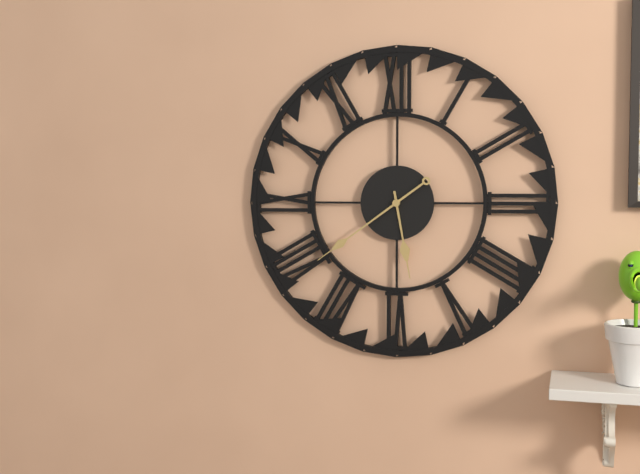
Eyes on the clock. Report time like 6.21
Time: 5.39
